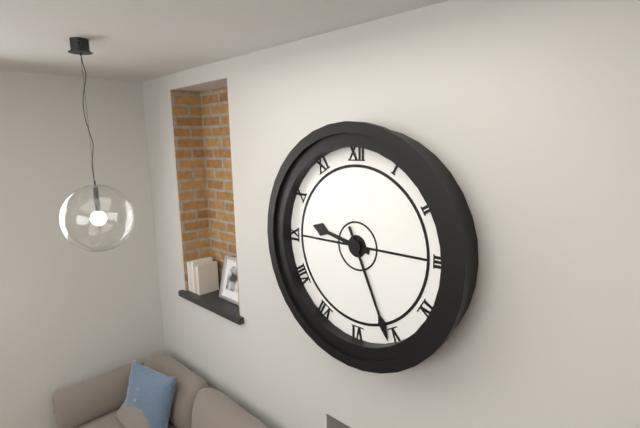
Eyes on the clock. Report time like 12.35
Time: 9.26
